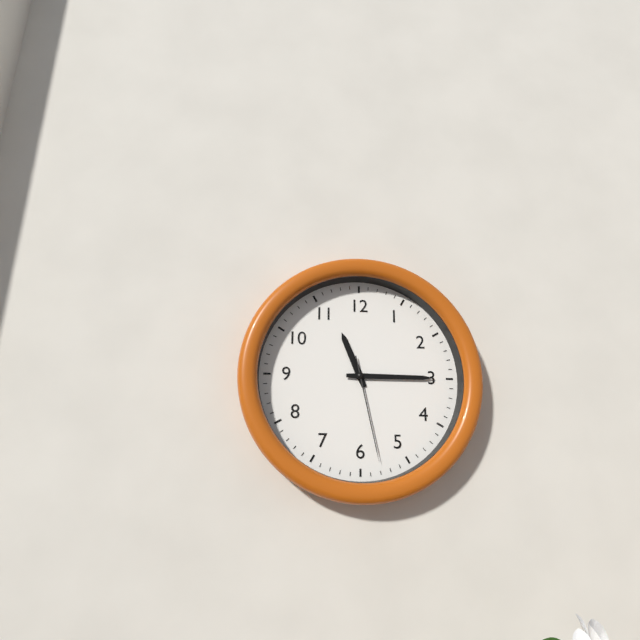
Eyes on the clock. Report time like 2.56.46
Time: 11.15.28
